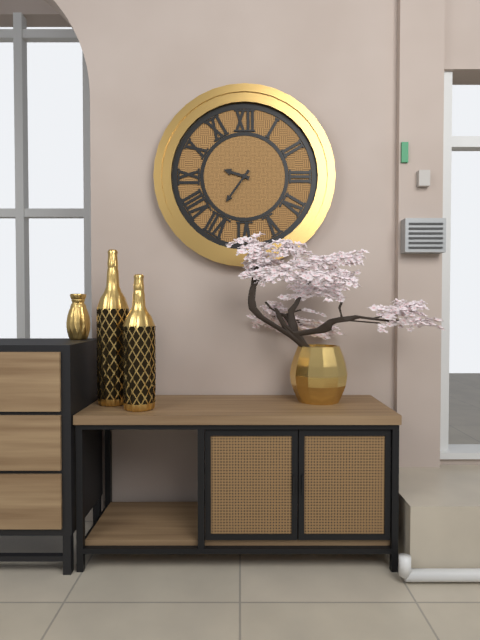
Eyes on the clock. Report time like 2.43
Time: 9.36
